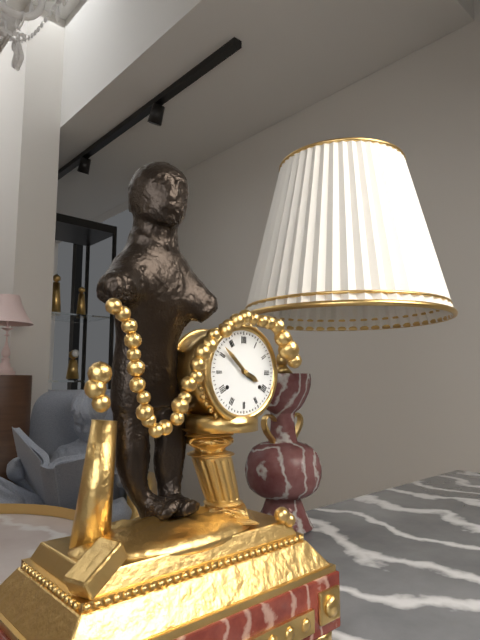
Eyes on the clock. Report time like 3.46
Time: 3.52
